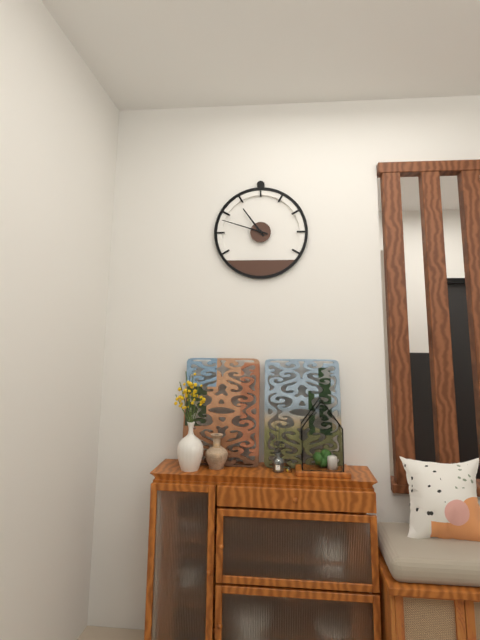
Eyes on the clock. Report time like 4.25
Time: 10.48
